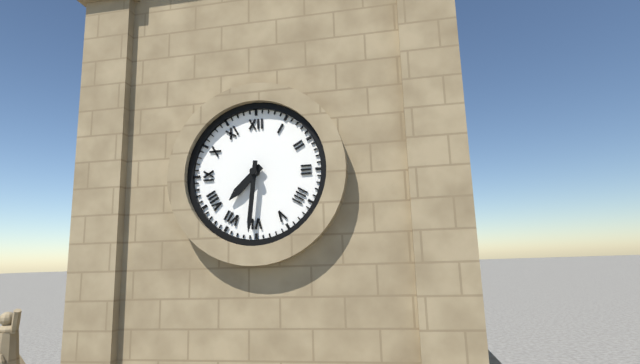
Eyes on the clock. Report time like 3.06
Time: 7.31
